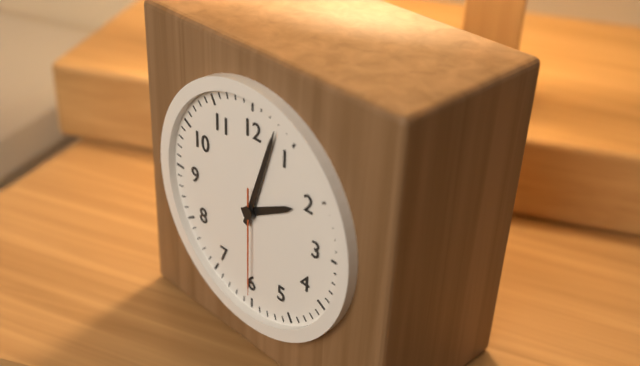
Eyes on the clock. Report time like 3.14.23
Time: 2.03.30
